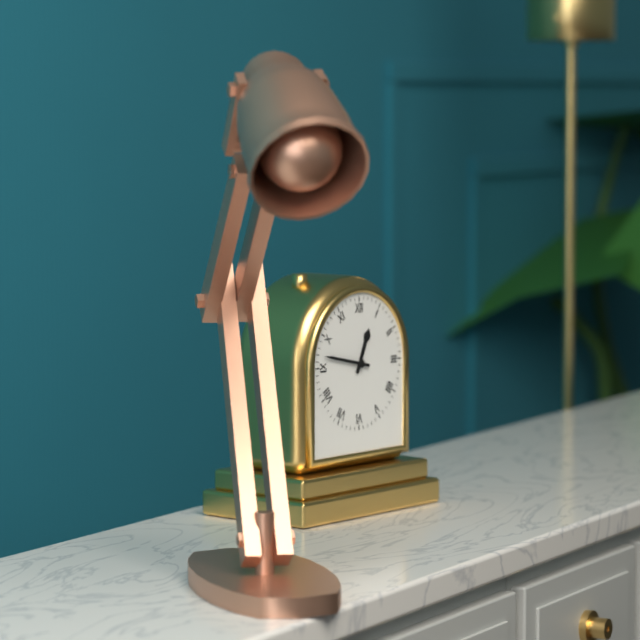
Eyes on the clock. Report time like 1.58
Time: 12.47
